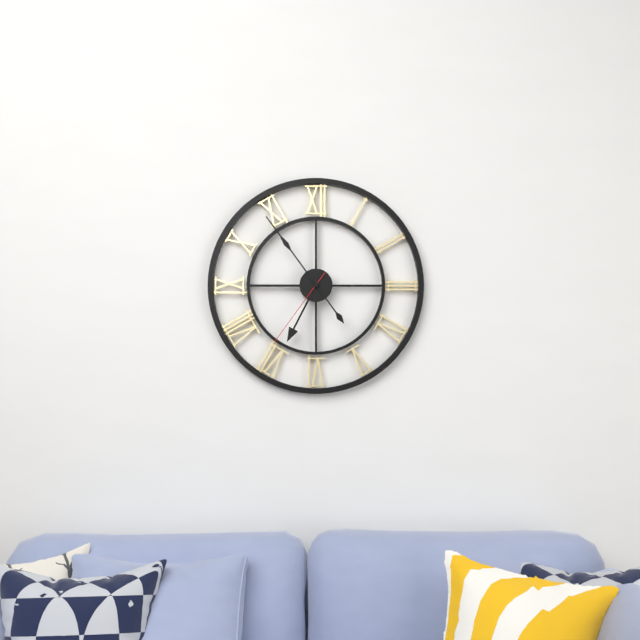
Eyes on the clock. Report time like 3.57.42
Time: 6.54.36
